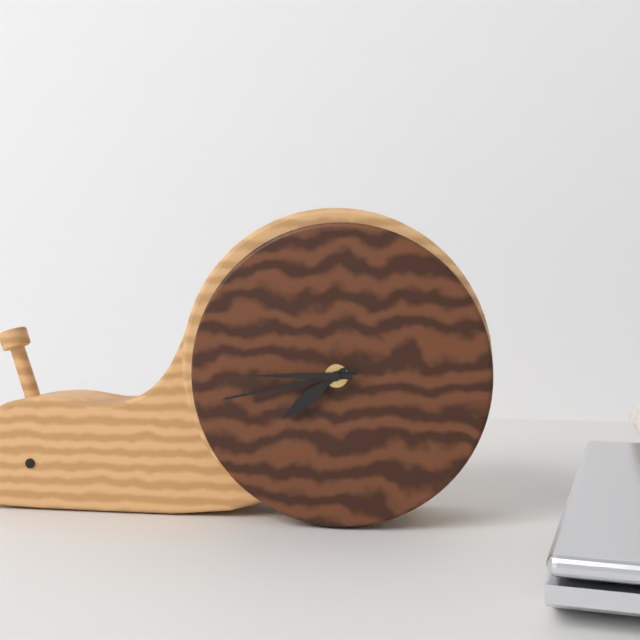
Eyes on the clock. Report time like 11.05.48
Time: 7.43.45
